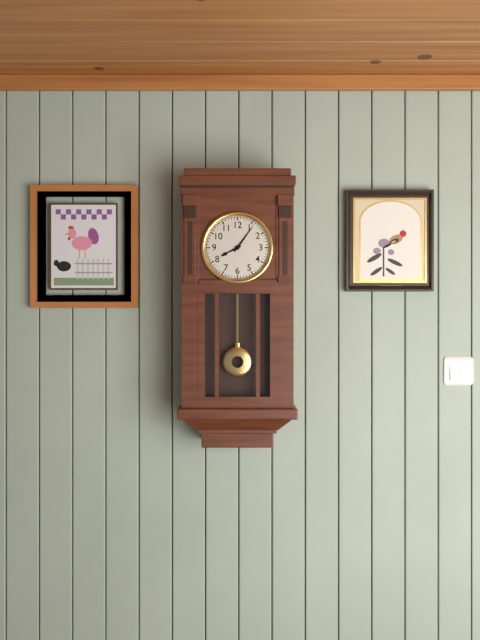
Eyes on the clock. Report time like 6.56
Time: 8.06
